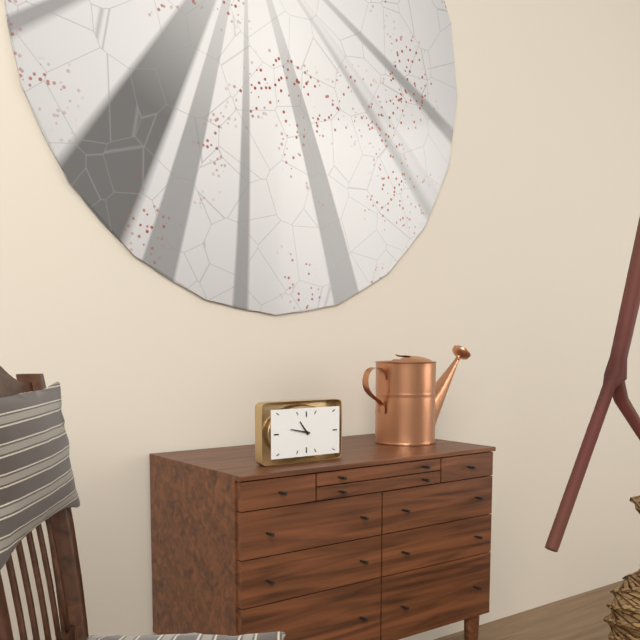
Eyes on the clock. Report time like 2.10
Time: 10.47
